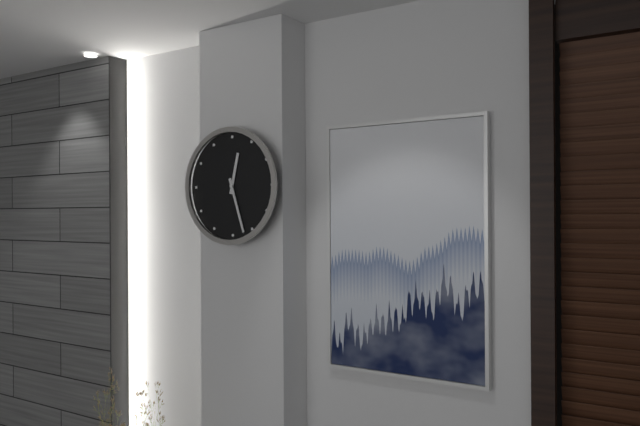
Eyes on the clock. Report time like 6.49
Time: 12.27
